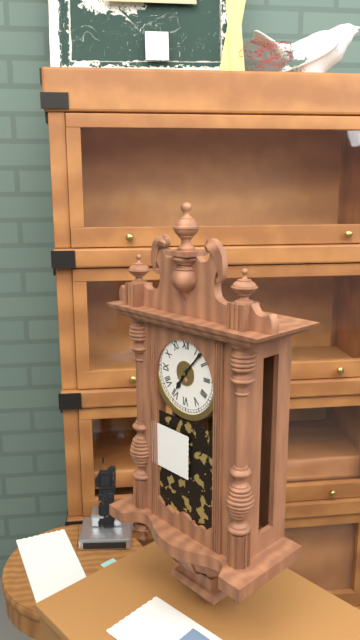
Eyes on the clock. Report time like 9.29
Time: 7.07
